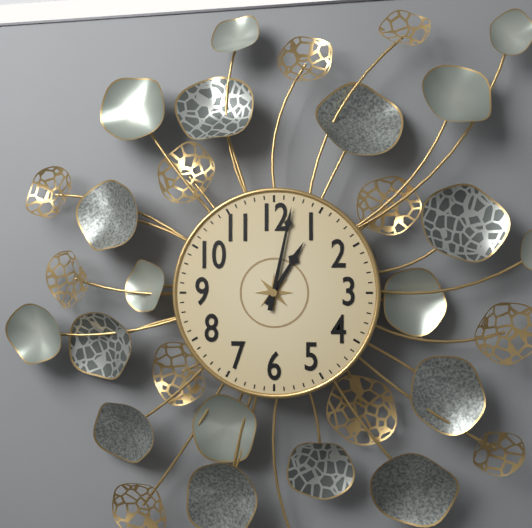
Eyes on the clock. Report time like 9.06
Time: 1.02
